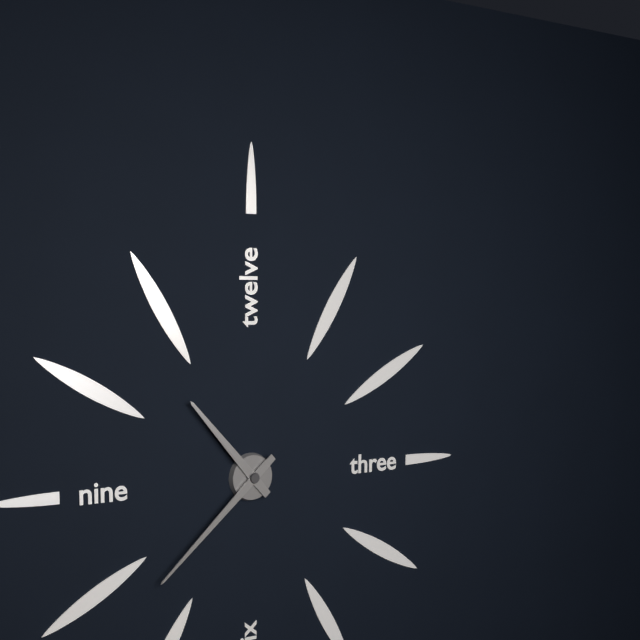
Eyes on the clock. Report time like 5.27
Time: 10.38
